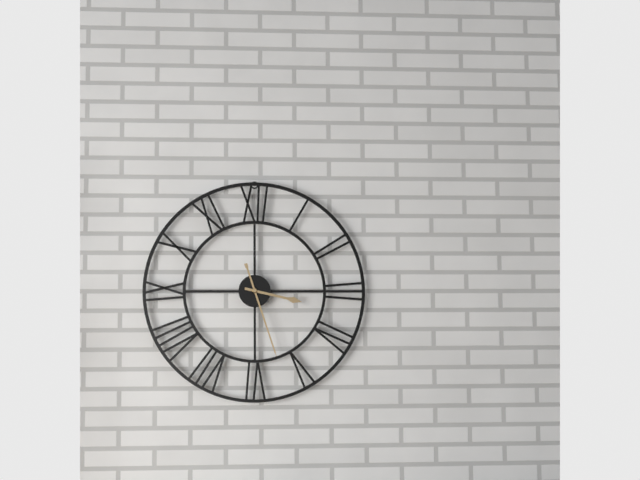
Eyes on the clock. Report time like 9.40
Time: 3.27
